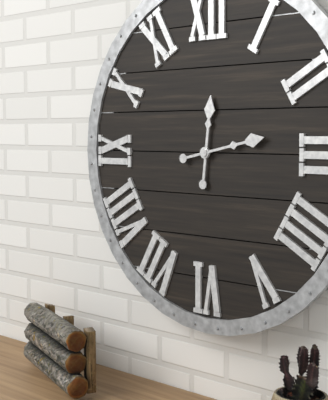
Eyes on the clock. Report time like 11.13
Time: 12.13
